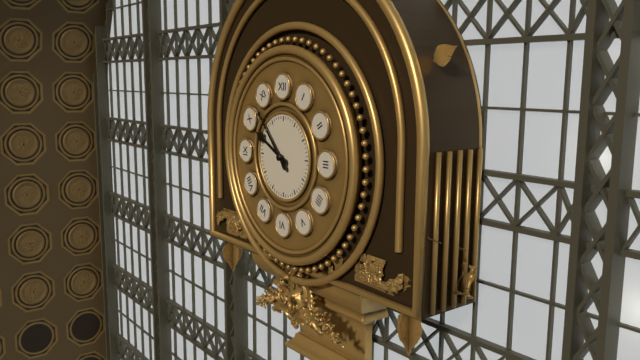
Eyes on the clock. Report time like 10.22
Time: 9.53
